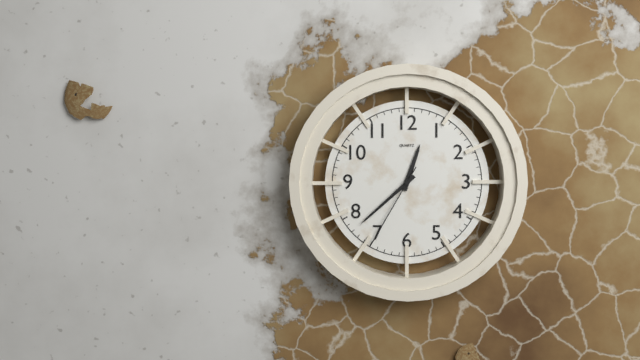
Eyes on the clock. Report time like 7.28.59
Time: 12.38.35
